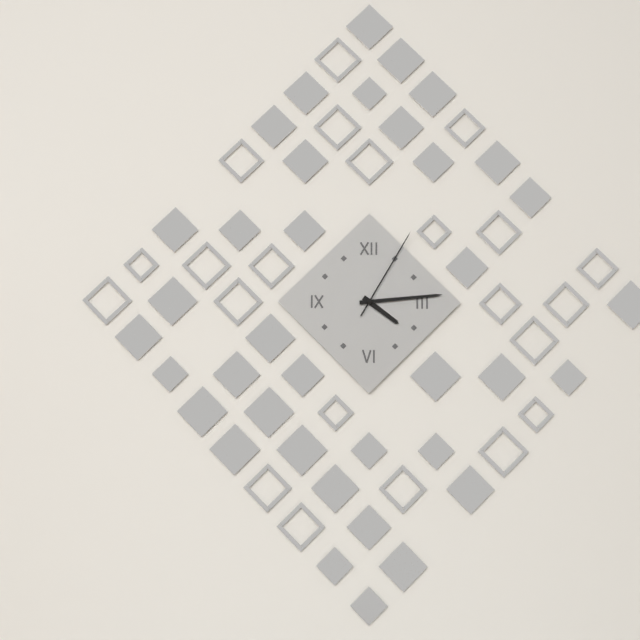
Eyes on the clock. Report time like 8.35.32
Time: 4.14.05
